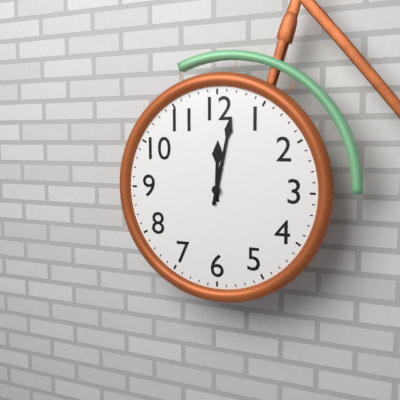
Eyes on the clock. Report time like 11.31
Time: 12.02
